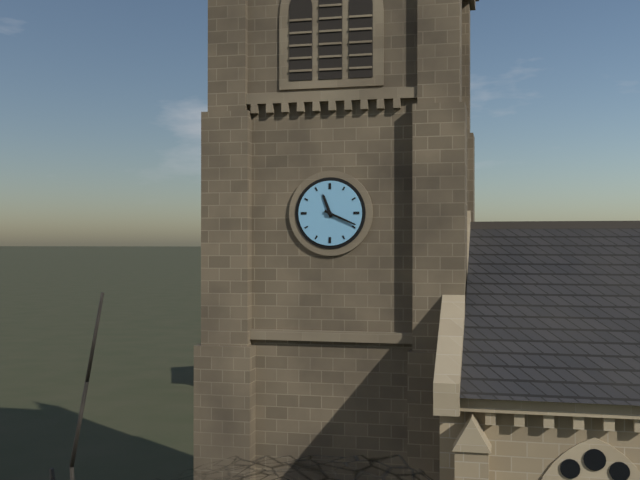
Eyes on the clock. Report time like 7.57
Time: 11.19
